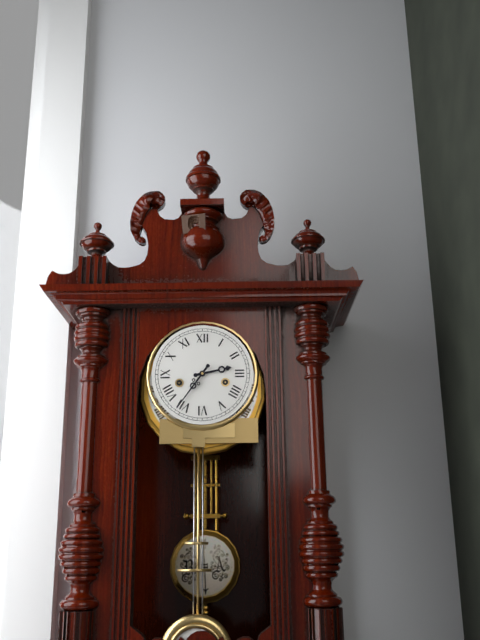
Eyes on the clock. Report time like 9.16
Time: 2.36
